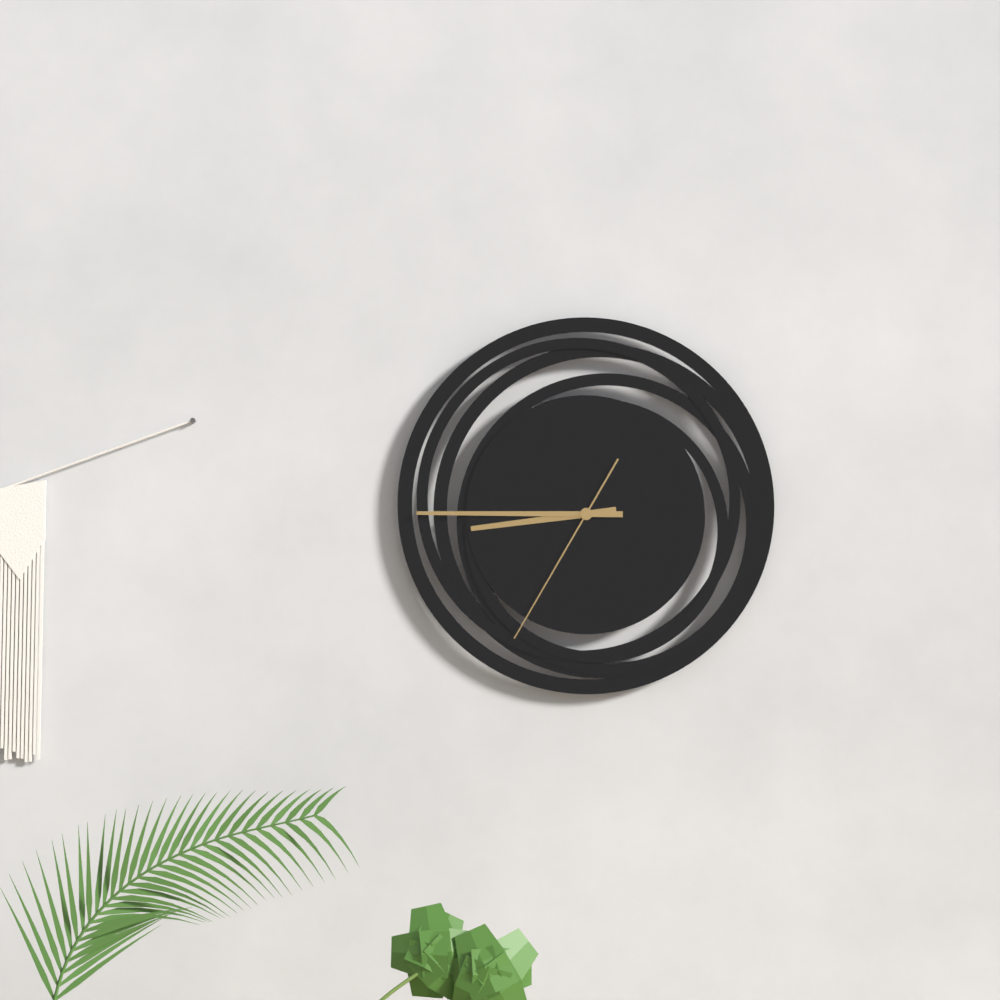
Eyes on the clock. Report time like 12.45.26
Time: 8.45.35
